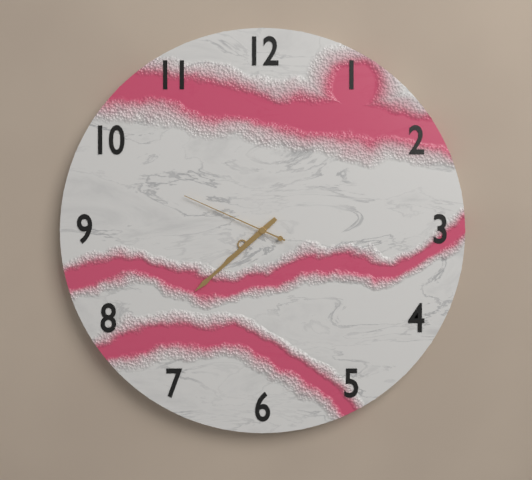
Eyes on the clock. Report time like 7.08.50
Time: 7.38.49
